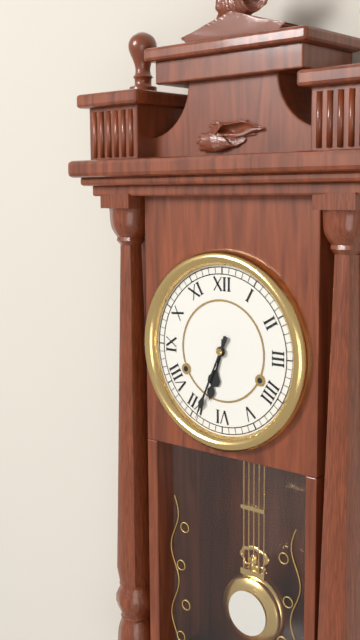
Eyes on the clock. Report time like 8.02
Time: 6.34
